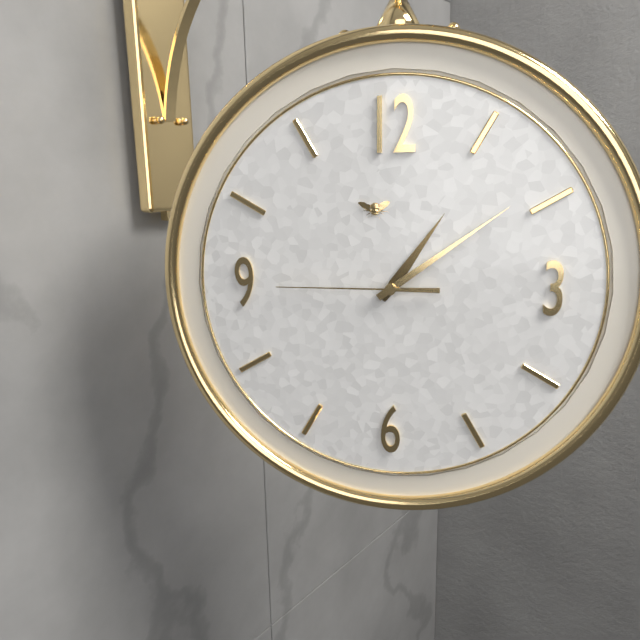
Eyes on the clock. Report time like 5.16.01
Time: 1.09.45
